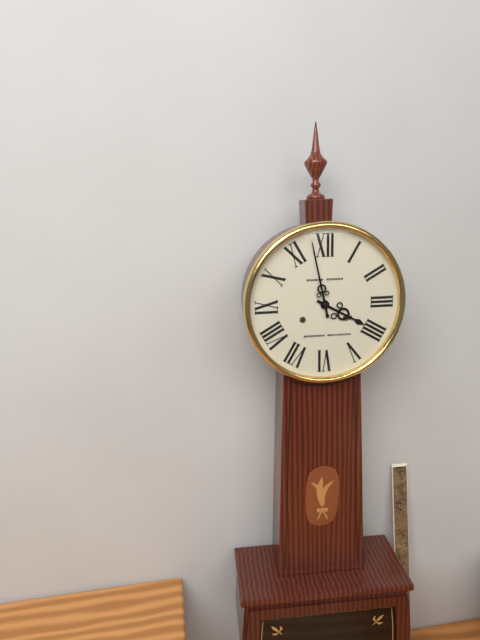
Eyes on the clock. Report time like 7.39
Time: 3.58
